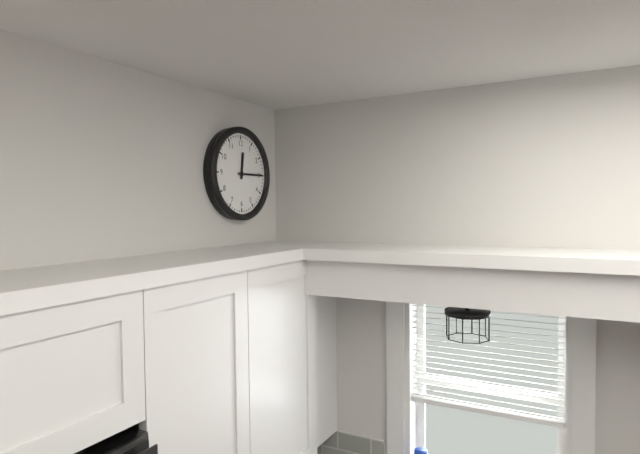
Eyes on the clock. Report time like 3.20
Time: 12.15
